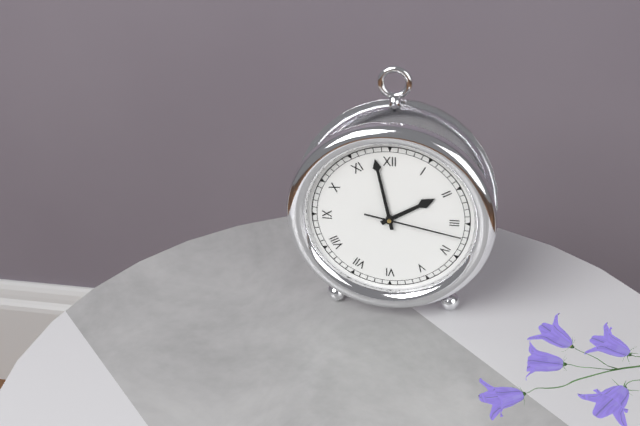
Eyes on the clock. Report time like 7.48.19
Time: 1.58.17
